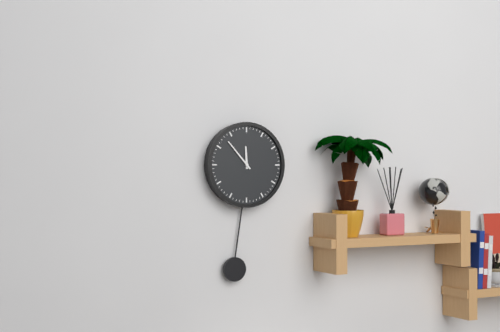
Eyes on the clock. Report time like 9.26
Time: 11.53
